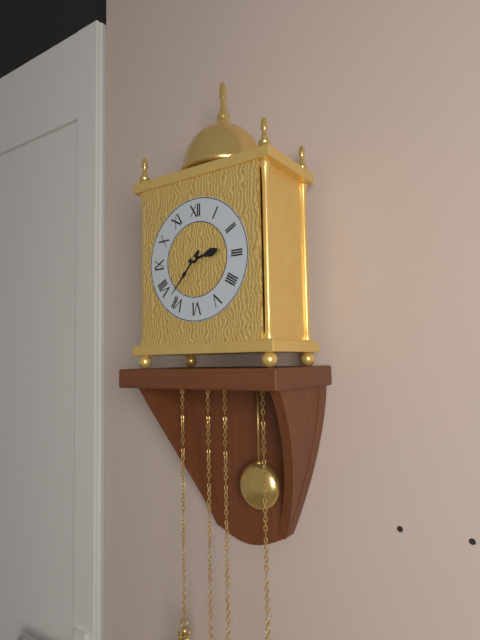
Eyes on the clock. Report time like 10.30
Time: 2.37
